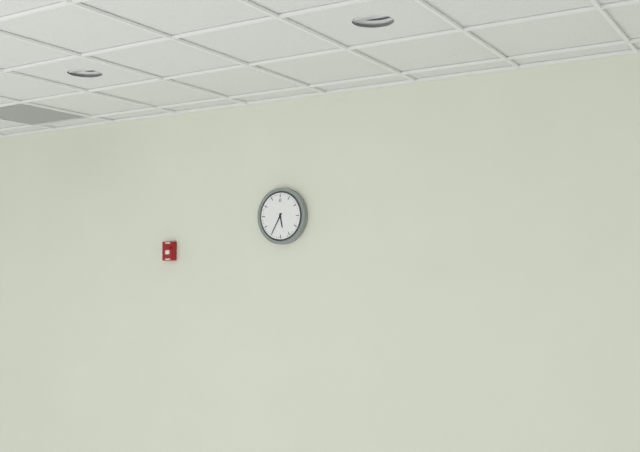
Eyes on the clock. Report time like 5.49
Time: 5.35
